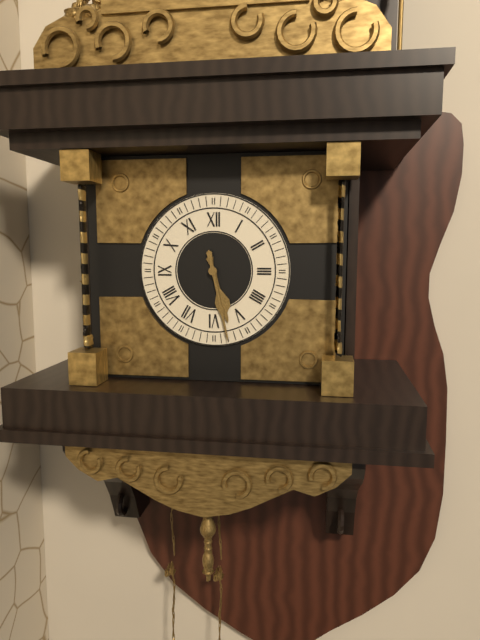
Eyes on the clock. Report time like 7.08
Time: 5.28
